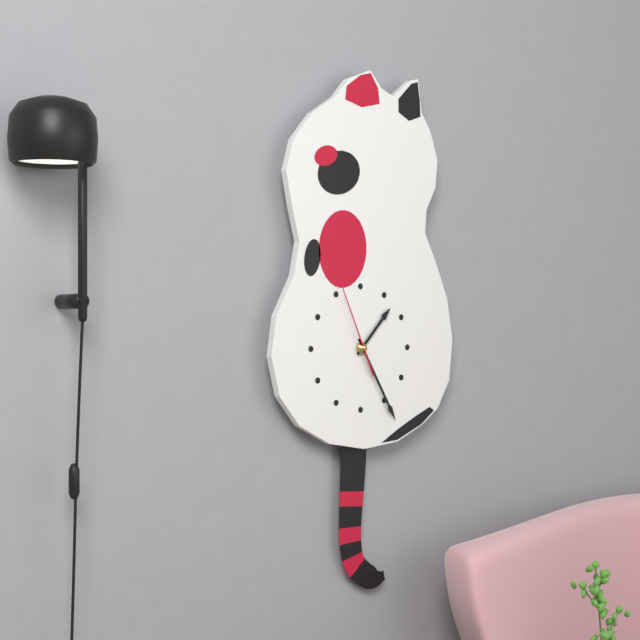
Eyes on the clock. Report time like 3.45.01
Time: 1.25.56
